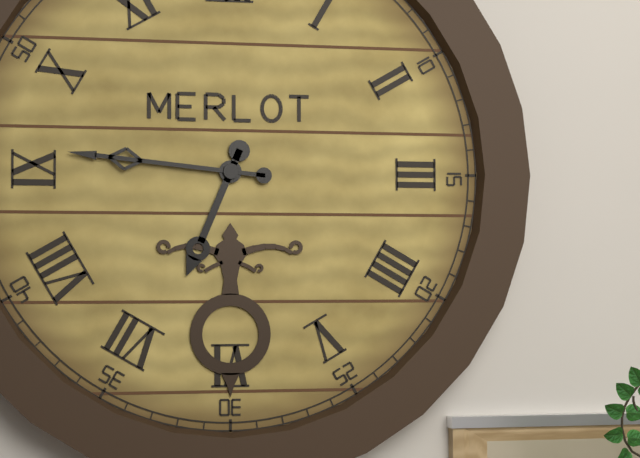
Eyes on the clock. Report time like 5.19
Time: 6.46
